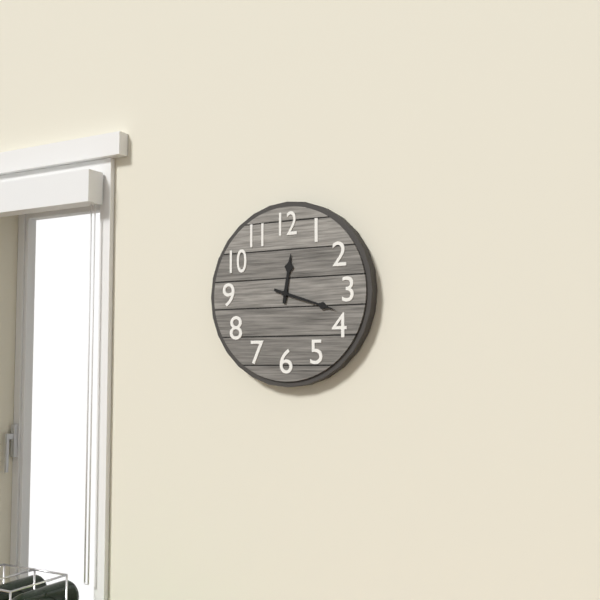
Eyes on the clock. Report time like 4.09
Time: 12.18
